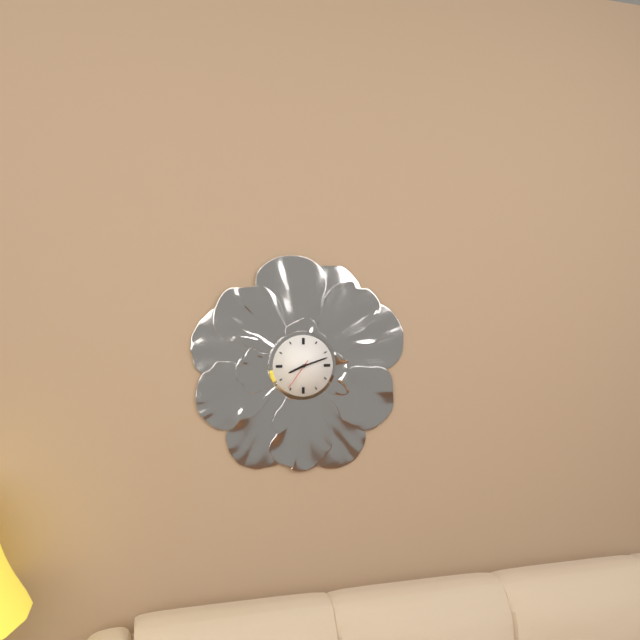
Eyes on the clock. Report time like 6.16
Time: 8.12
